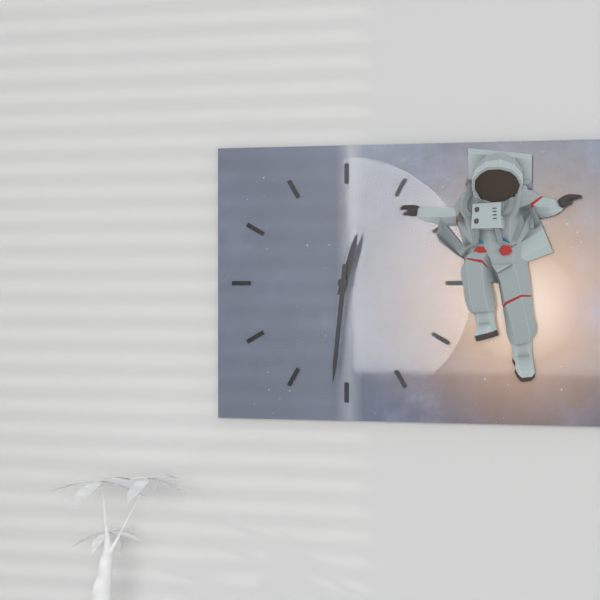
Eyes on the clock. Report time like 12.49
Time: 12.31
